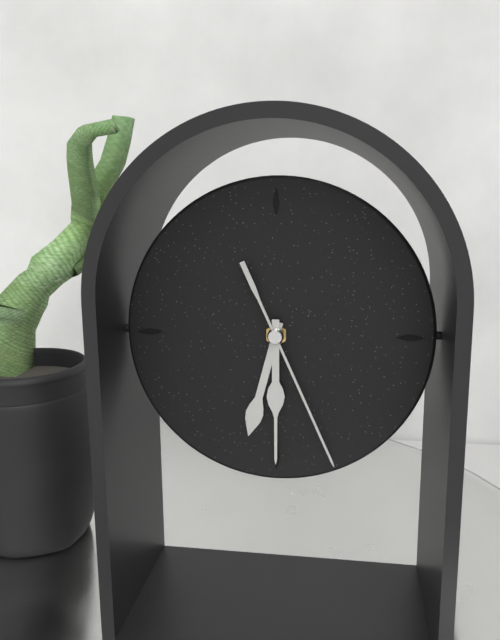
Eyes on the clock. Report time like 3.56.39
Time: 6.30.26
